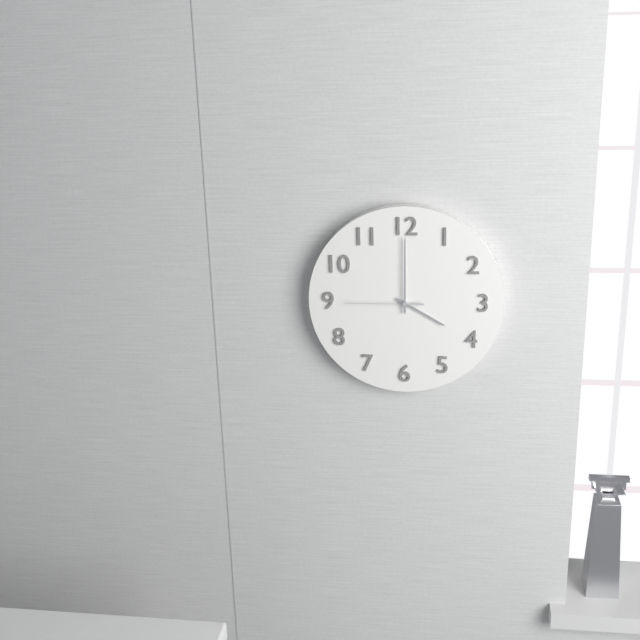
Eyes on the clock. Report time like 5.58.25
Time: 4.00.45
